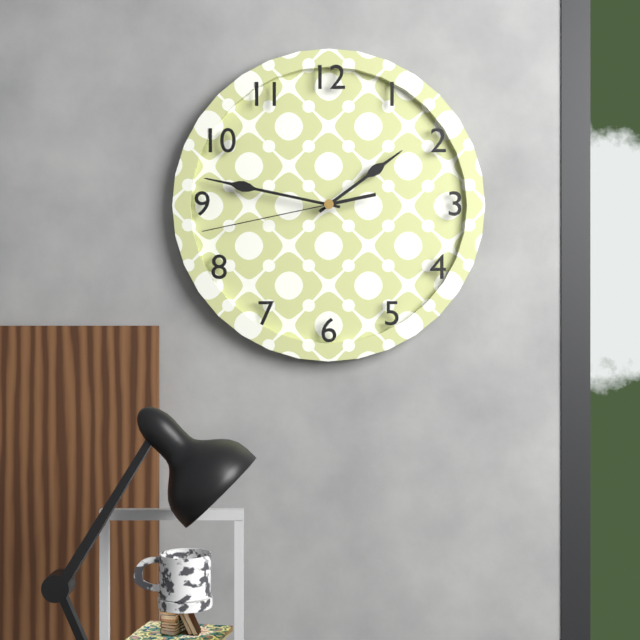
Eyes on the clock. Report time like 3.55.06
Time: 1.47.43
